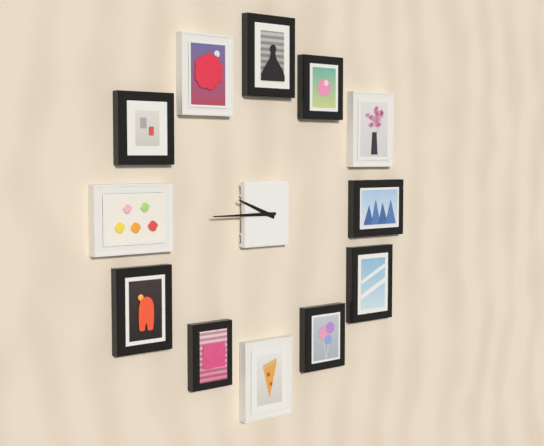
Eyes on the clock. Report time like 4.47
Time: 9.45
